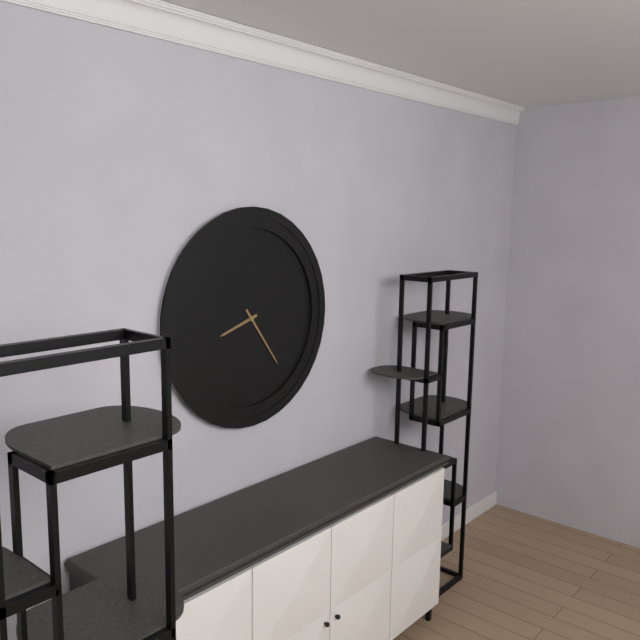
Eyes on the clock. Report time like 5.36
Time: 8.24
